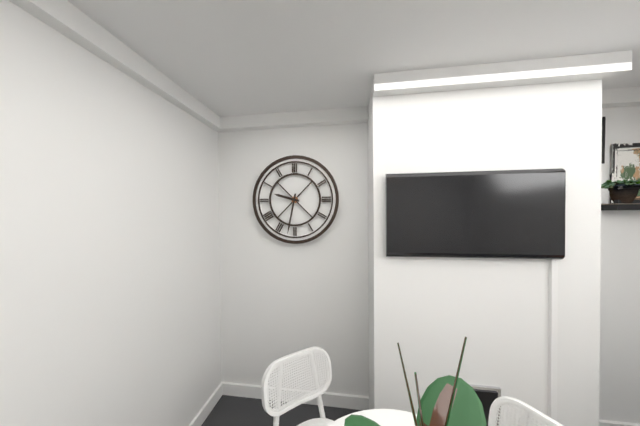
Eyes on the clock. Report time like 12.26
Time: 9.32
